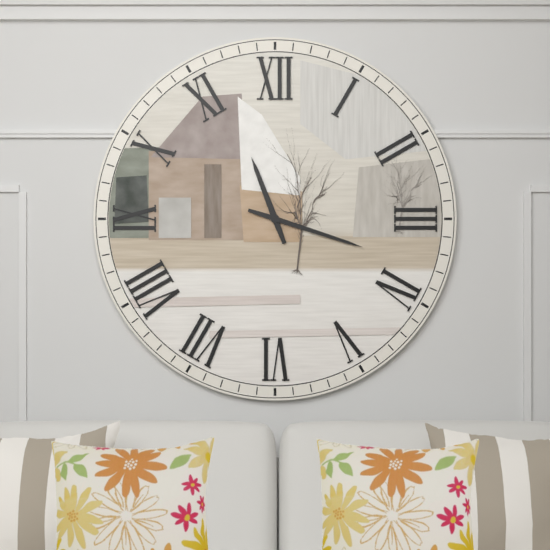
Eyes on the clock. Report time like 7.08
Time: 11.18
